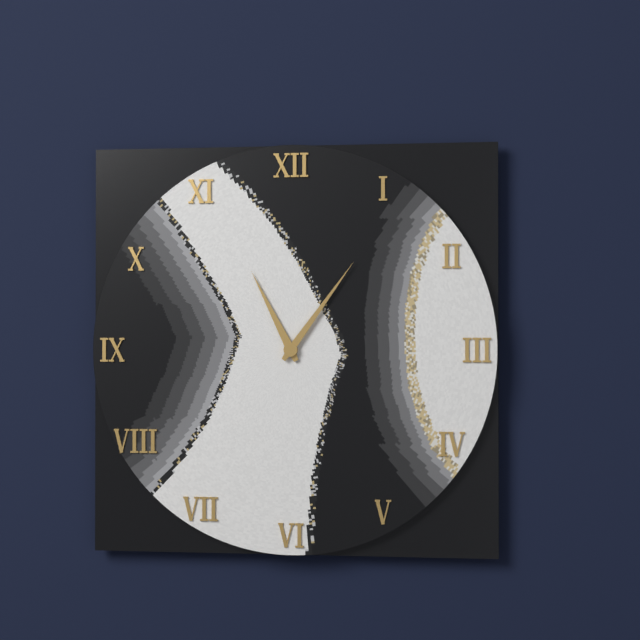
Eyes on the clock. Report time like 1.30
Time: 11.06
